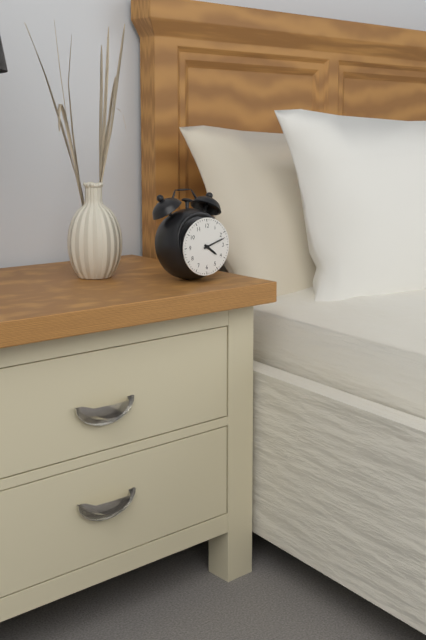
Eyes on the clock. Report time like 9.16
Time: 4.12
